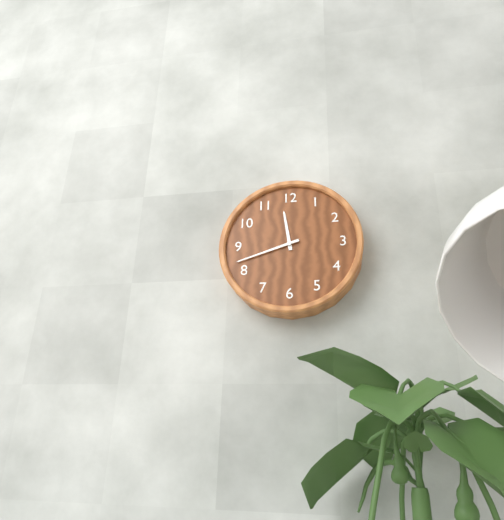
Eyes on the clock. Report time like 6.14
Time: 11.42
